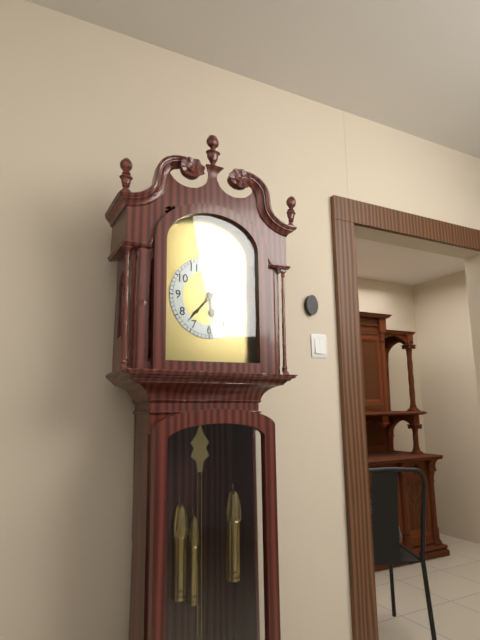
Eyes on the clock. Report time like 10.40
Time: 5.37
